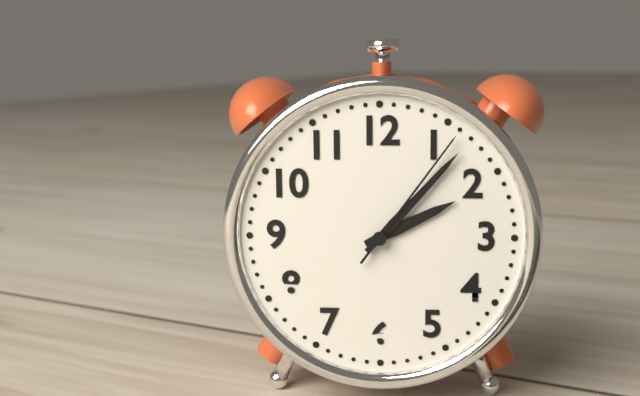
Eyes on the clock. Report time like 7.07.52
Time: 2.07.06
